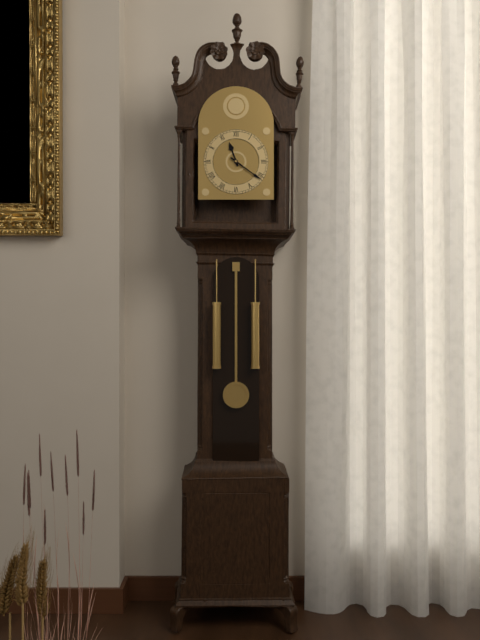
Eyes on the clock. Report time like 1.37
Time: 11.21
